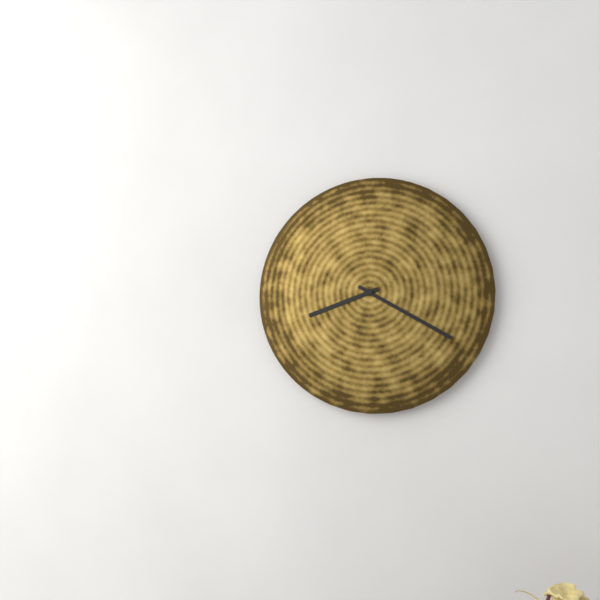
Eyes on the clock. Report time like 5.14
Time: 8.20
